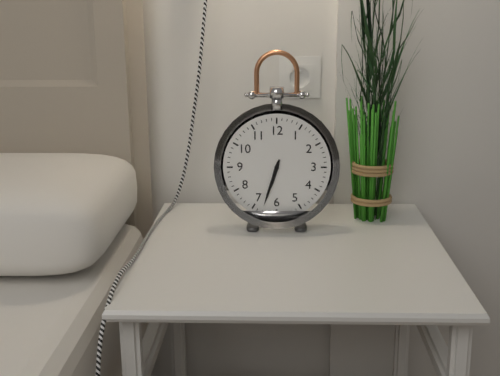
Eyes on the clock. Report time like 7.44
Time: 6.33
